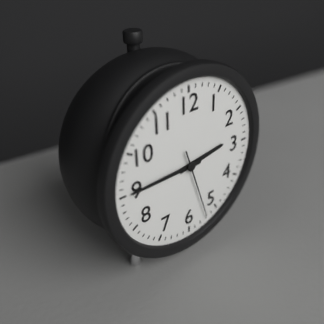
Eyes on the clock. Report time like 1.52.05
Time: 2.45.27
